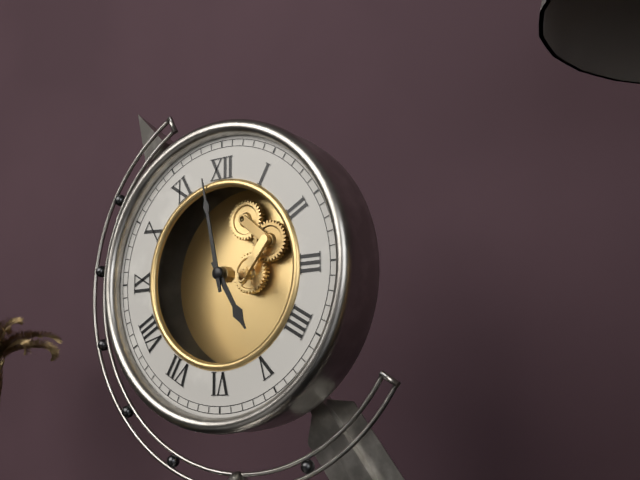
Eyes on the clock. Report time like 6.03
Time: 4.58
